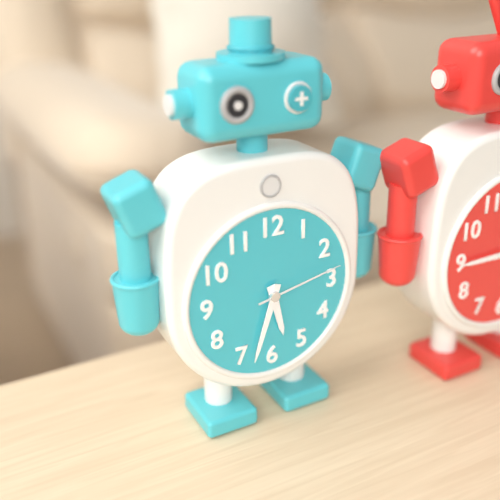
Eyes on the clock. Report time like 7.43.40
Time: 5.33.13
